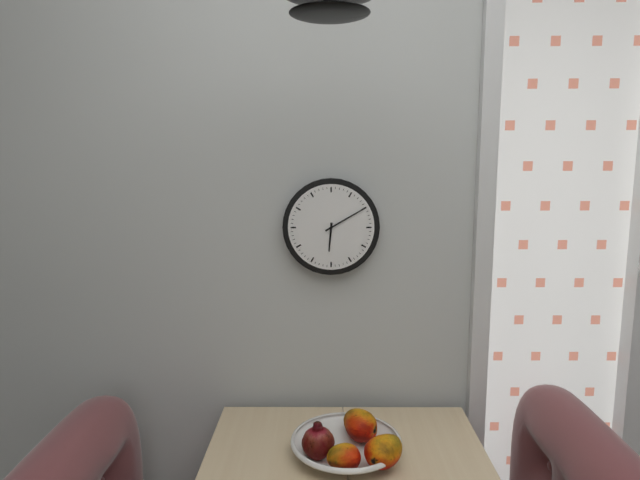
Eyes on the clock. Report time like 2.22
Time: 6.10
